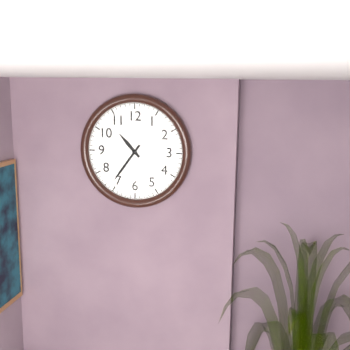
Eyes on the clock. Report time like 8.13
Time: 10.36
